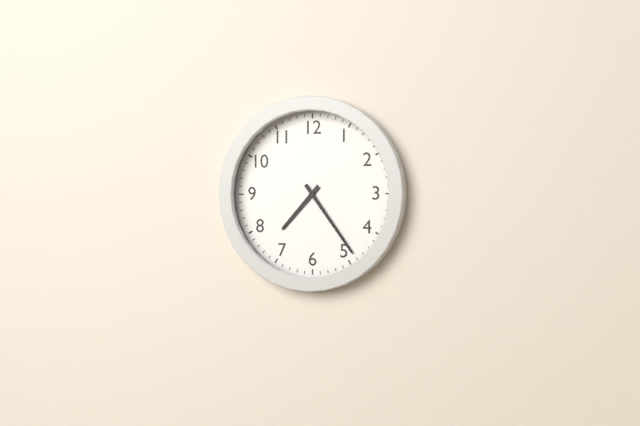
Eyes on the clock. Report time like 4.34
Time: 7.24
